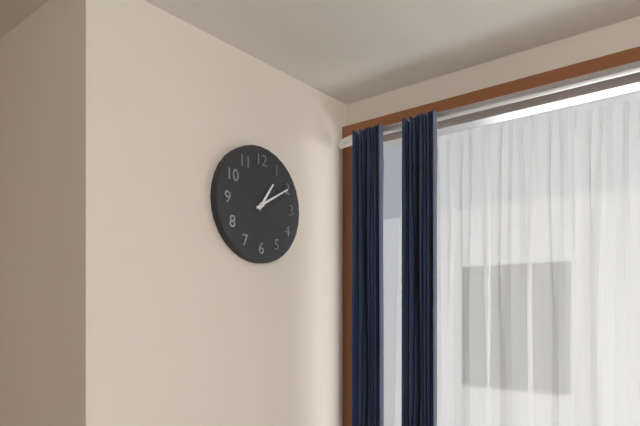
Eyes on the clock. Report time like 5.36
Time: 1.10
